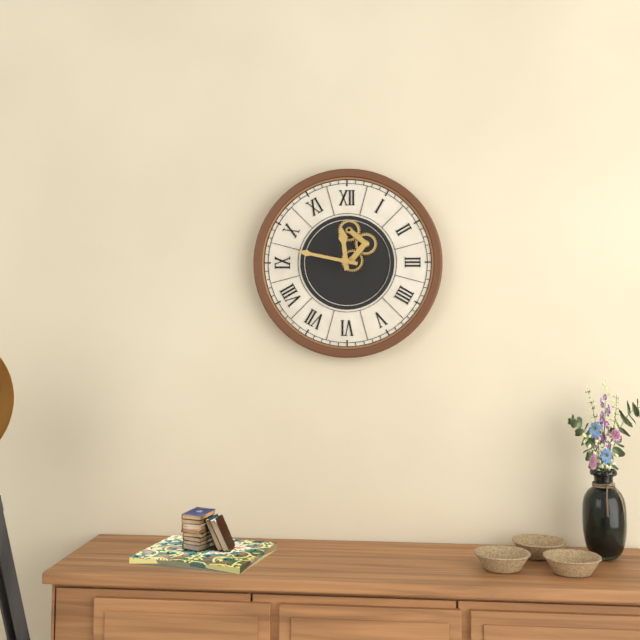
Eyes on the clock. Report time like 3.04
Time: 11.47
